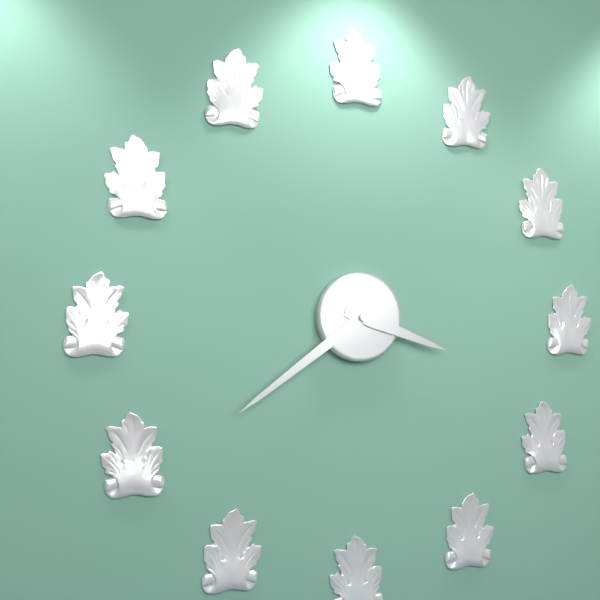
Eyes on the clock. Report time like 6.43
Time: 3.39
